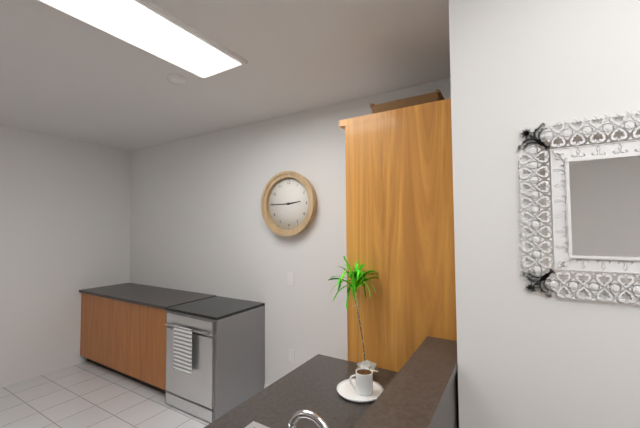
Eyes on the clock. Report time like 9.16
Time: 2.45
